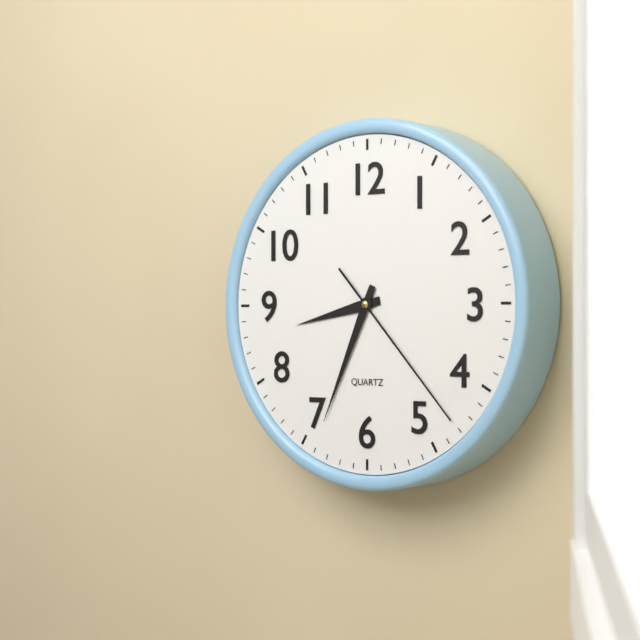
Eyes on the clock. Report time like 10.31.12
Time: 8.34.23
